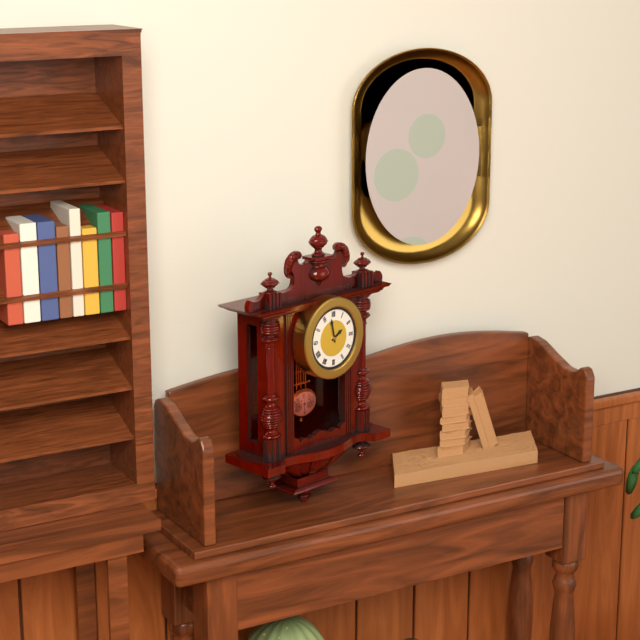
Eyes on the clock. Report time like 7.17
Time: 1.58
